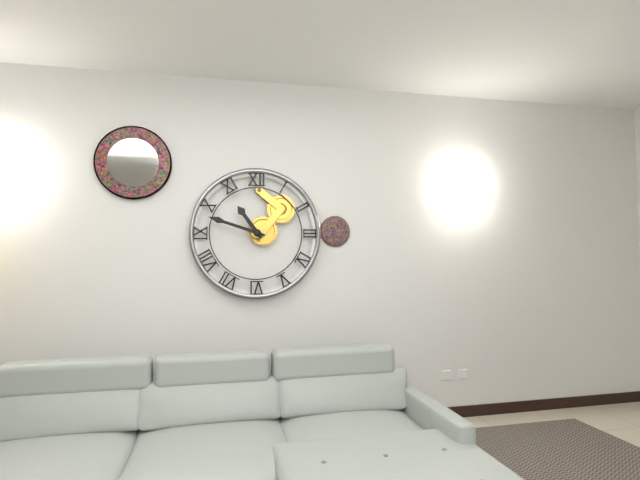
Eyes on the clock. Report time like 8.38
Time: 10.48
